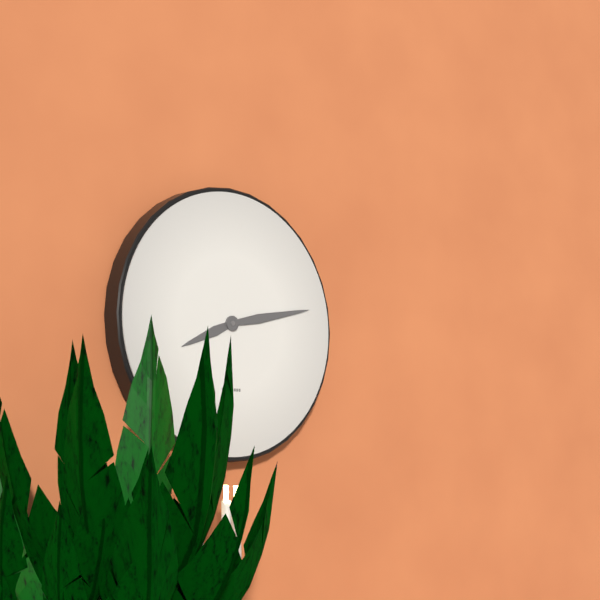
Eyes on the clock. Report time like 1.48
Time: 8.13
